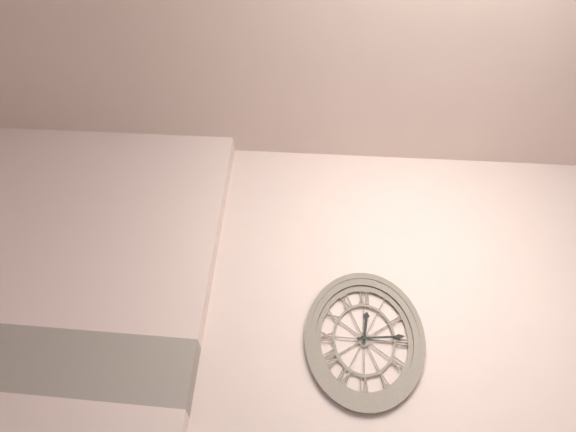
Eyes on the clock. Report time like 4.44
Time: 12.14
